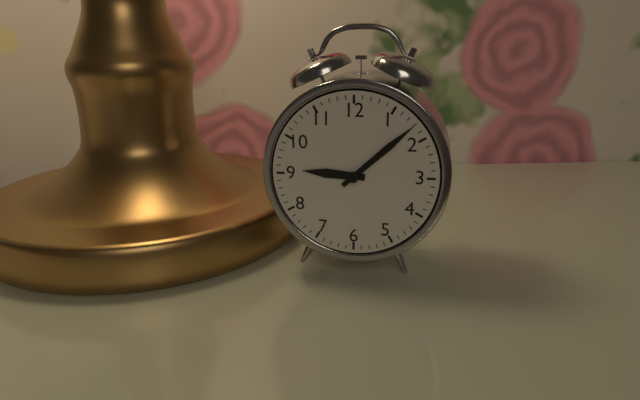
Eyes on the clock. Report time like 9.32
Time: 9.08
